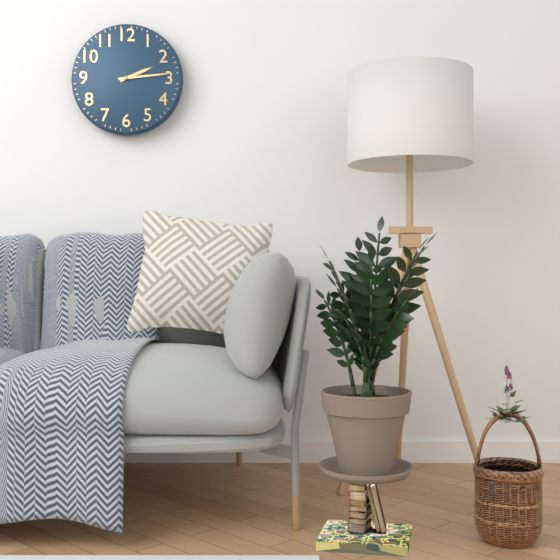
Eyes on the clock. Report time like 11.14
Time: 2.14
